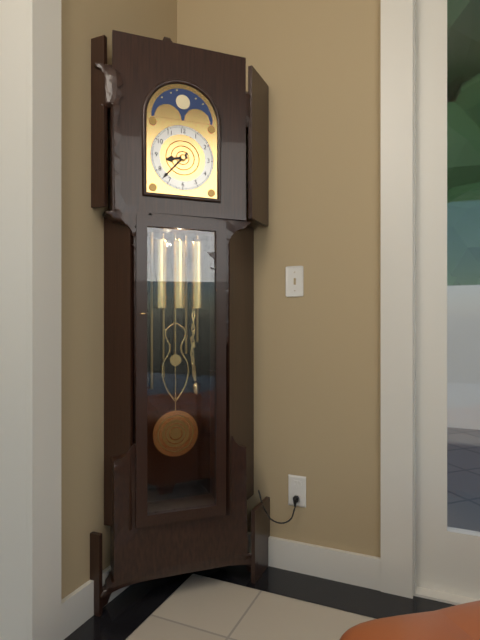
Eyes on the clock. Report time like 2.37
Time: 8.37
